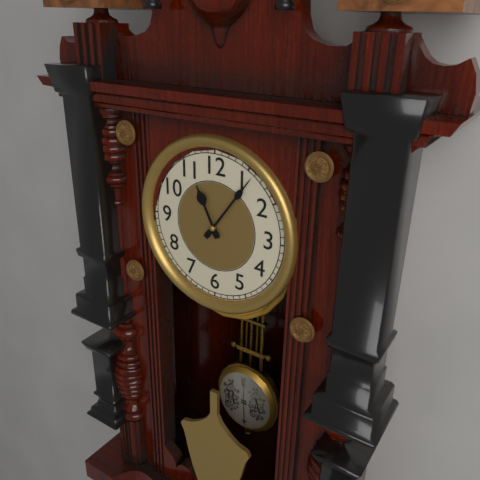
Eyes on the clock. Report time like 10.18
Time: 11.06
